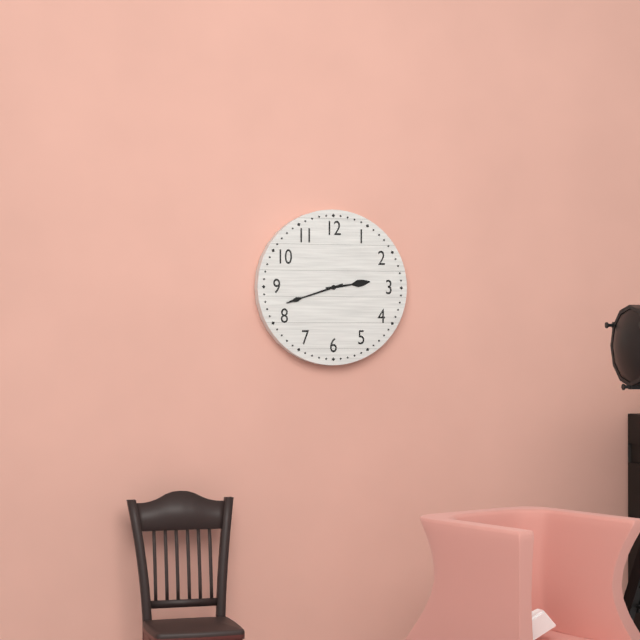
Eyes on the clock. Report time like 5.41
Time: 2.42
